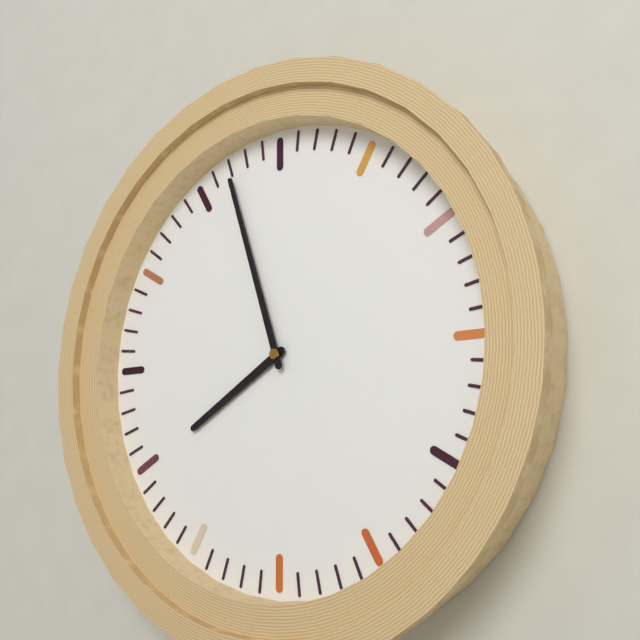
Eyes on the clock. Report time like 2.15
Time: 7.57
